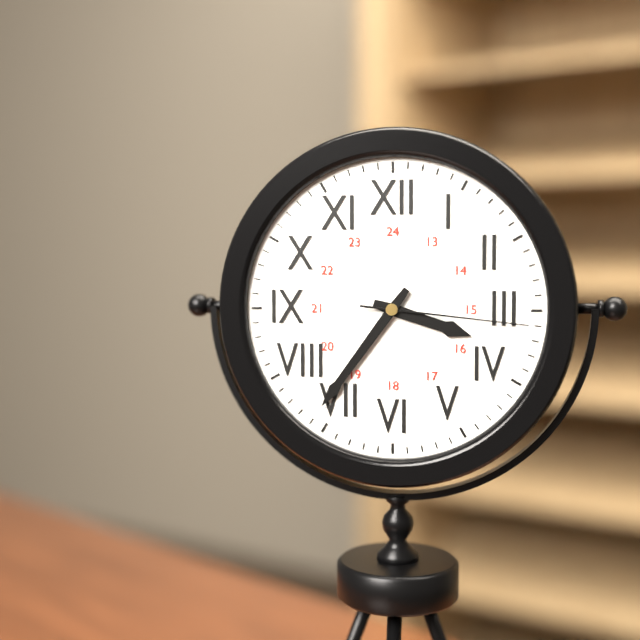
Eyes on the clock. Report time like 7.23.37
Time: 3.36.16
